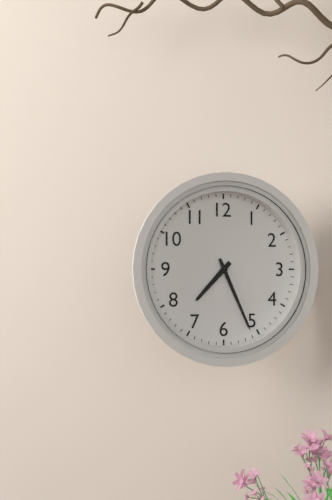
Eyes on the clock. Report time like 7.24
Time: 7.26
